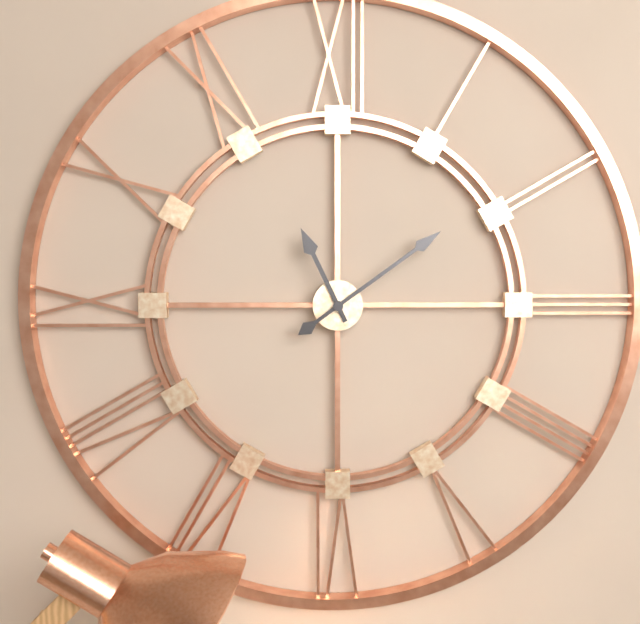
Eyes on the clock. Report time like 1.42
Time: 11.09
